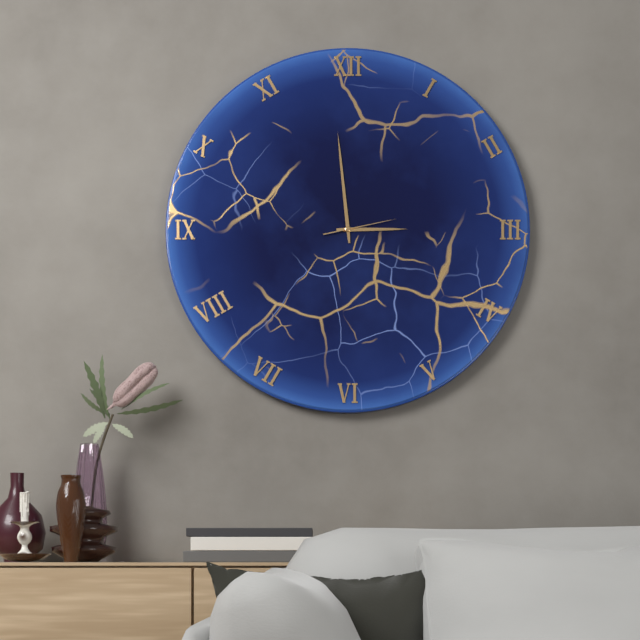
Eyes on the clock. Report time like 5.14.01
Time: 2.59.13
